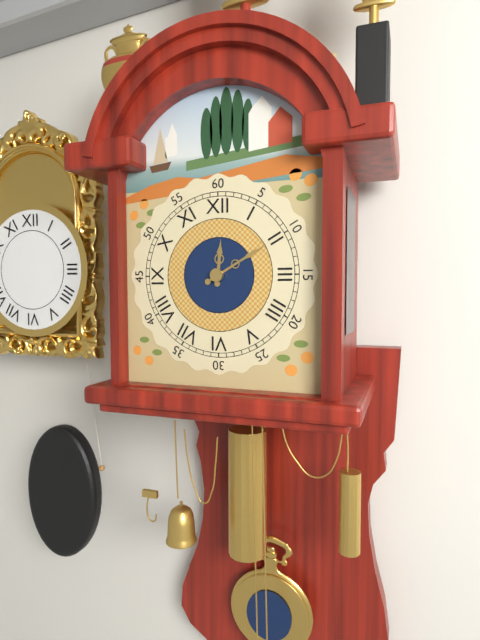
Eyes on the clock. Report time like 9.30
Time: 12.10
